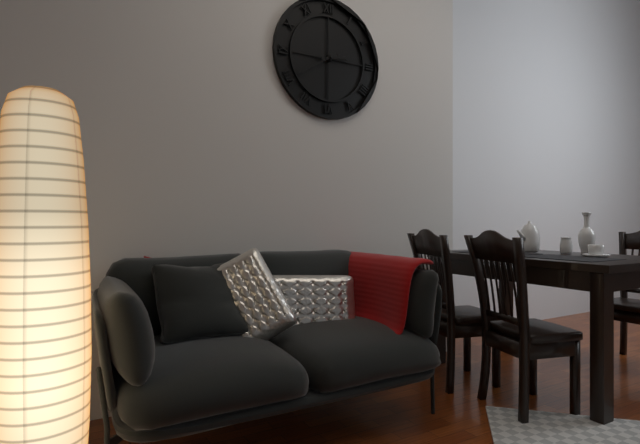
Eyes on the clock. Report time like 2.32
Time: 2.40
